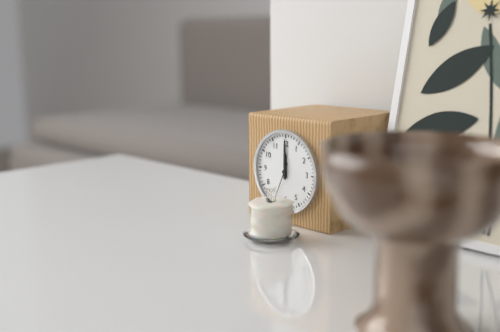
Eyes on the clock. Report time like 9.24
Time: 12.00
